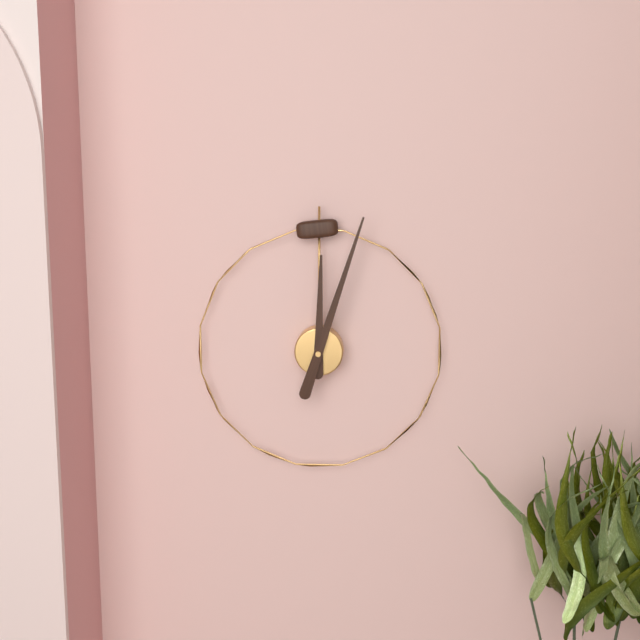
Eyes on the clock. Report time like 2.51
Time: 12.03
